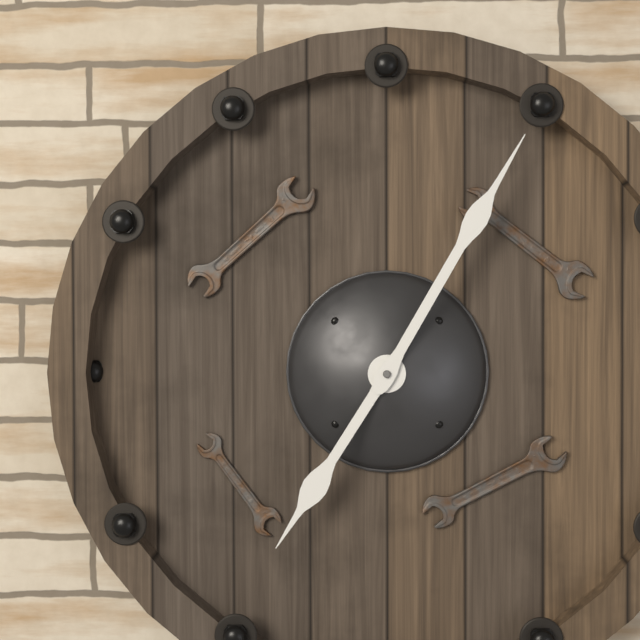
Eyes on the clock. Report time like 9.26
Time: 7.05
